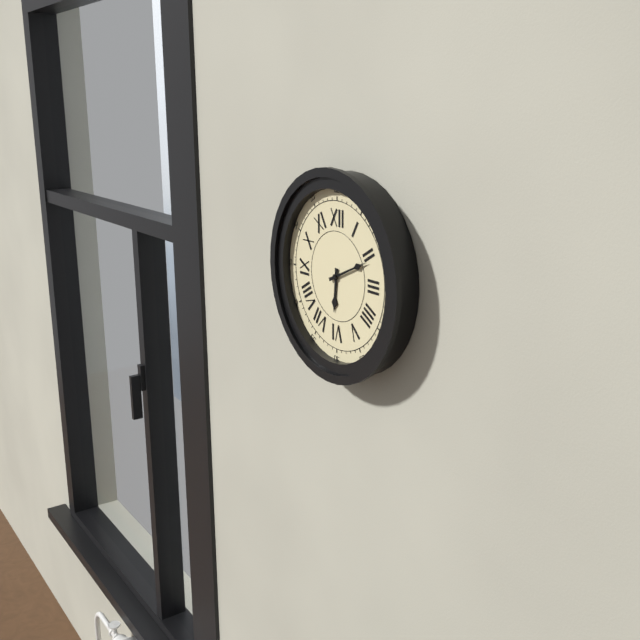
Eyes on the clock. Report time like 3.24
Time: 6.11
